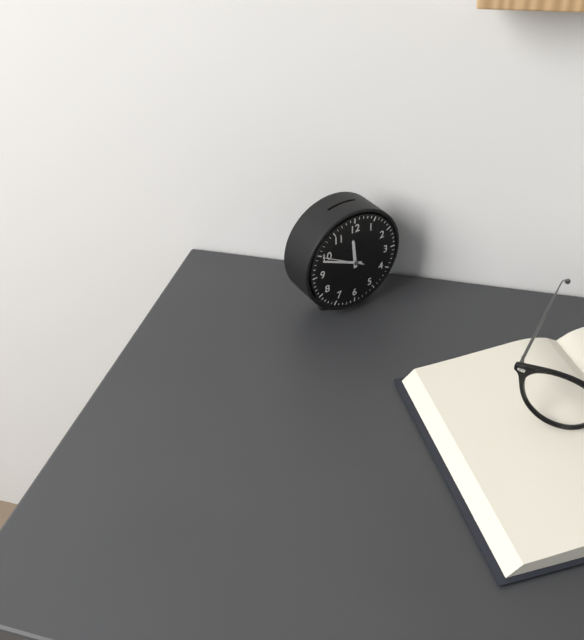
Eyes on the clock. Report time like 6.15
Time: 11.49
